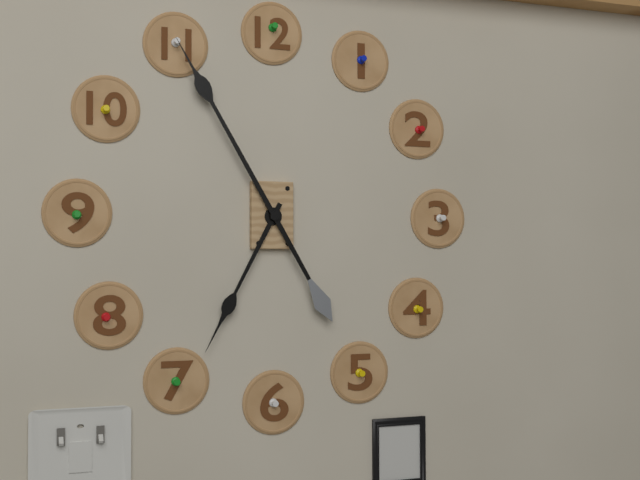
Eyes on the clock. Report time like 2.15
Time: 6.55
